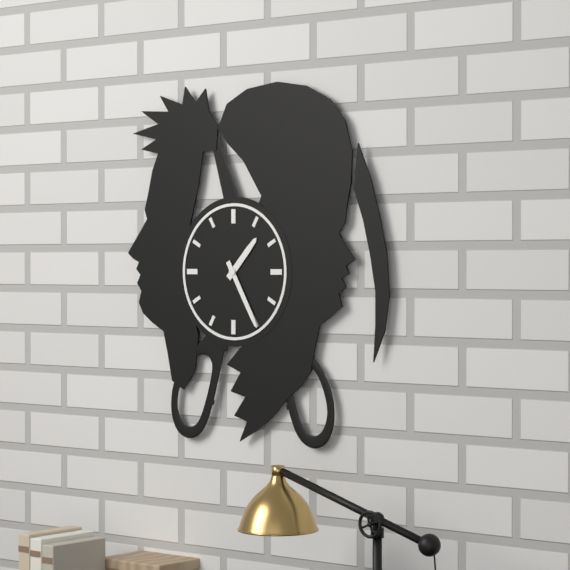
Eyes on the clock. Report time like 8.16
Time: 1.25
